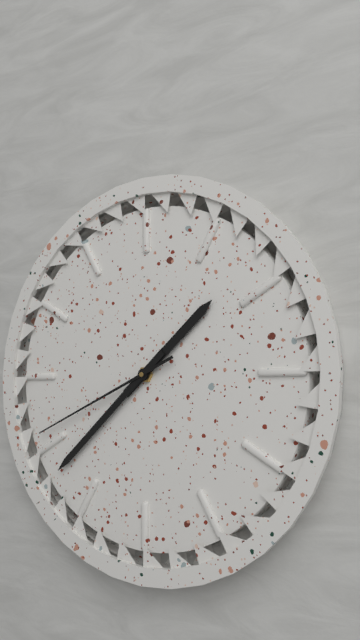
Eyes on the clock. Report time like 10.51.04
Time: 1.38.41
